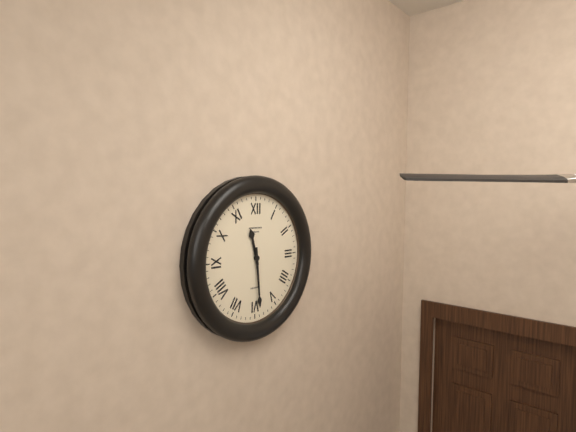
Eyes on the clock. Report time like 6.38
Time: 11.29
